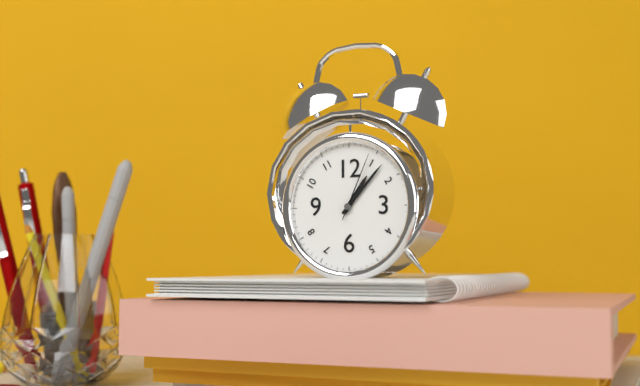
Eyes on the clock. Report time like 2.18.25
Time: 1.07.04
